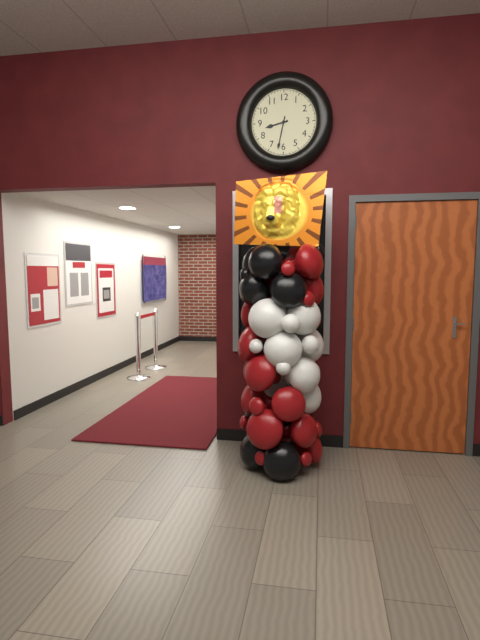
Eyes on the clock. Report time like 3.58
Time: 8.32
